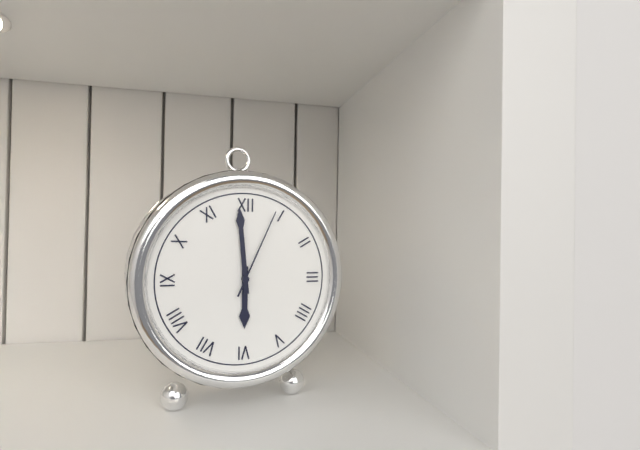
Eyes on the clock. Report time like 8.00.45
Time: 5.59.04
